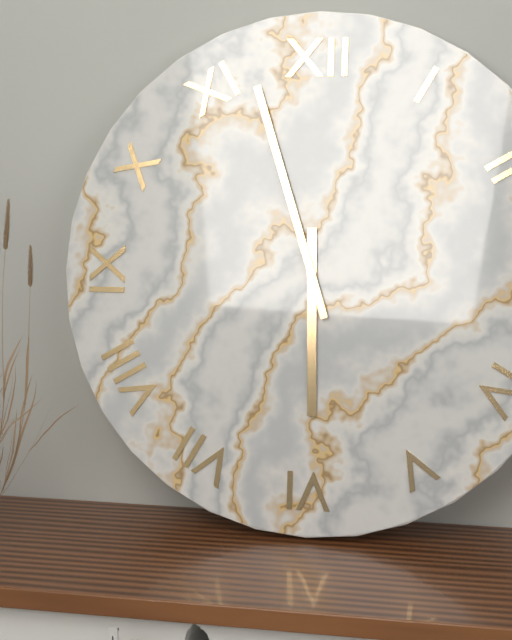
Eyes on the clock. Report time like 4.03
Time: 5.57
